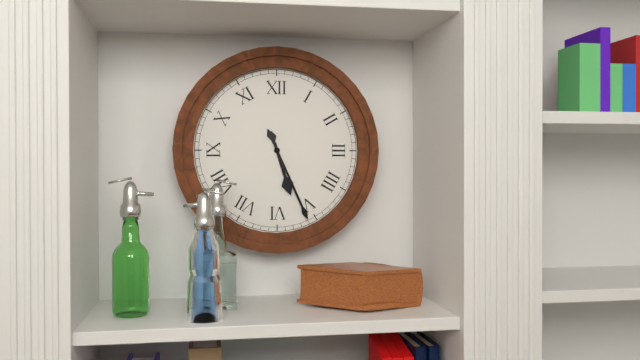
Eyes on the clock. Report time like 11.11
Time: 5.26
